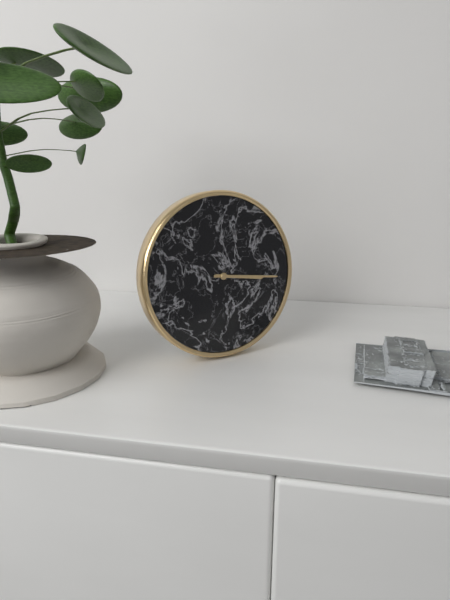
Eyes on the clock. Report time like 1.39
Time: 3.16
